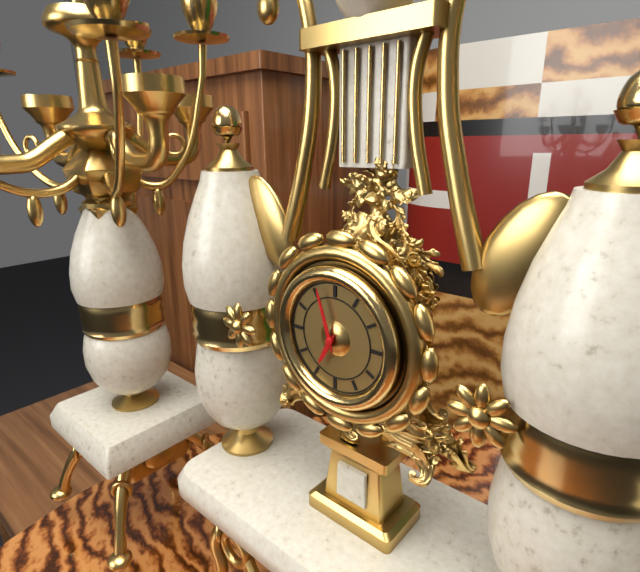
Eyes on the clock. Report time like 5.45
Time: 6.57
